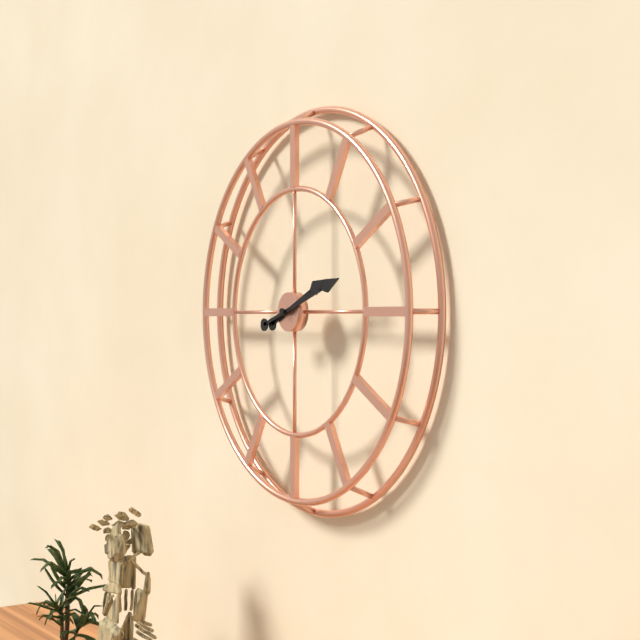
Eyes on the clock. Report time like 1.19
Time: 2.12
